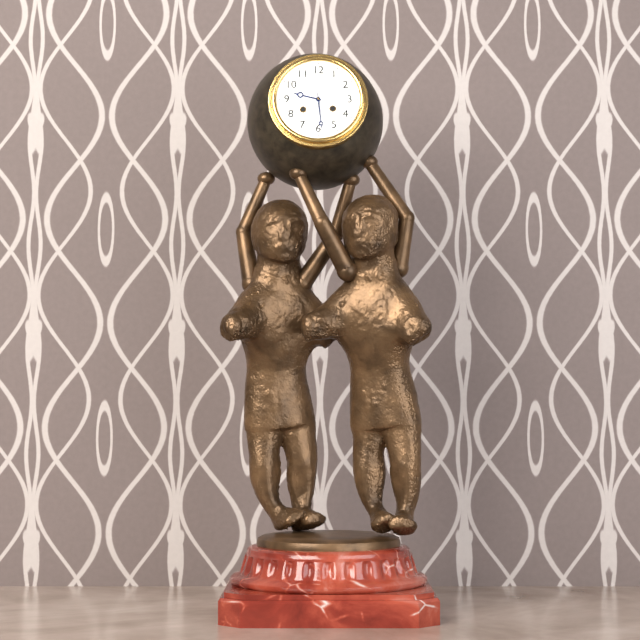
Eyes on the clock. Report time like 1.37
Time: 9.29
